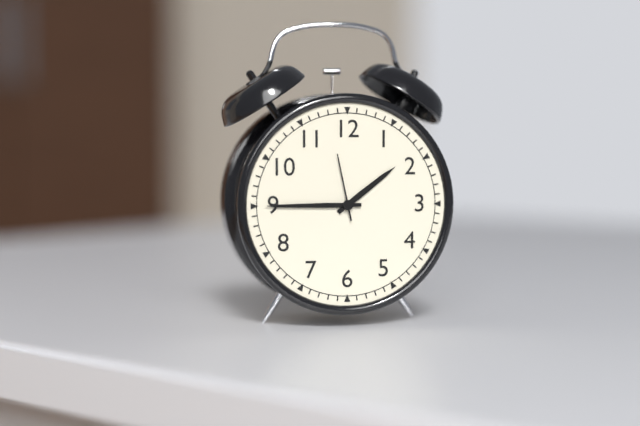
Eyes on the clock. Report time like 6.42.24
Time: 1.45.58
